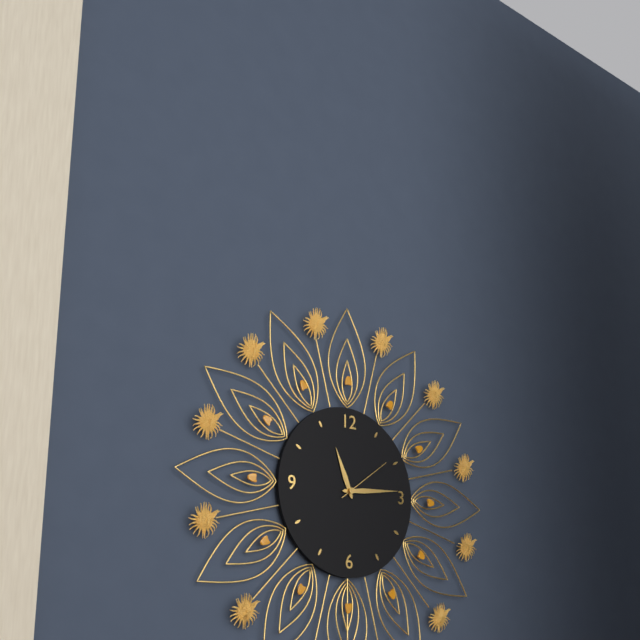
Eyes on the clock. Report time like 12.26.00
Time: 11.14.09
